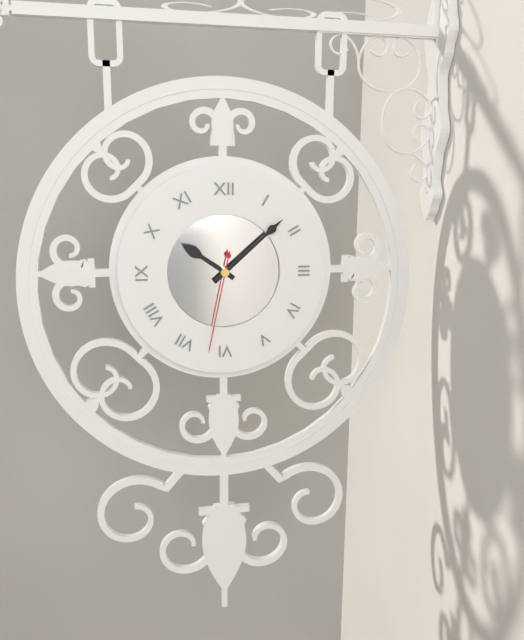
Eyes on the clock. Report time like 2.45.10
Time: 10.08.32
